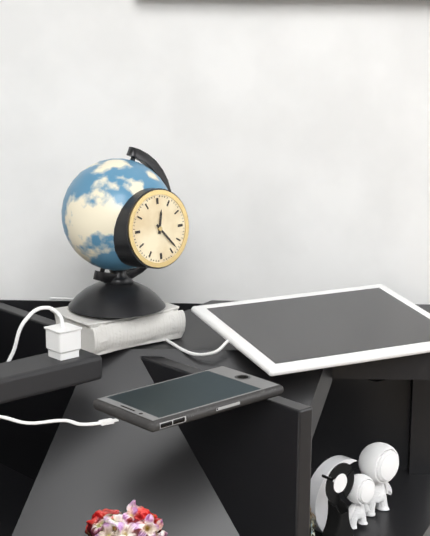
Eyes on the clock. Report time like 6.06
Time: 12.23
